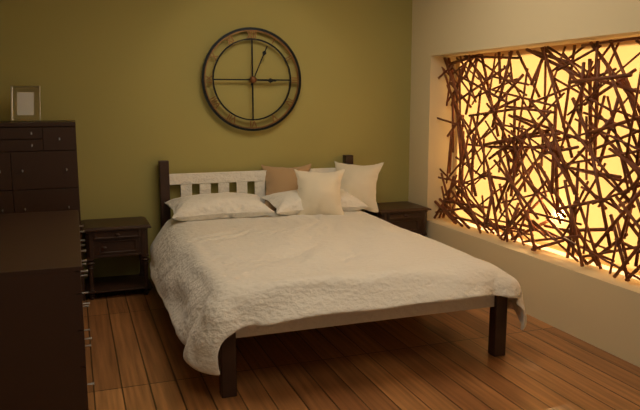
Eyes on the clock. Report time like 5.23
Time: 3.04
